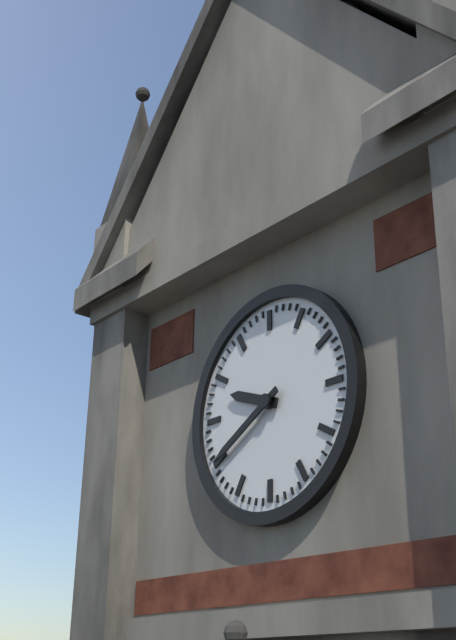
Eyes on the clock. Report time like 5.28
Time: 9.40
